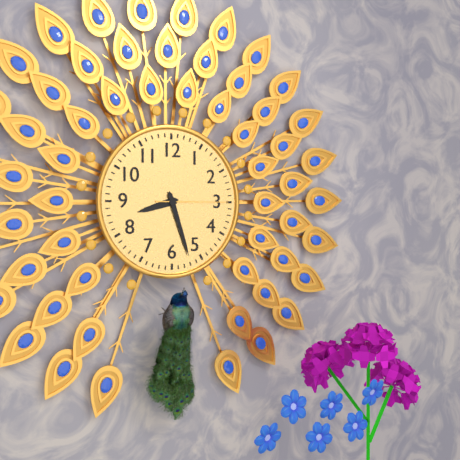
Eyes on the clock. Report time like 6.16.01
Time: 8.27.15
